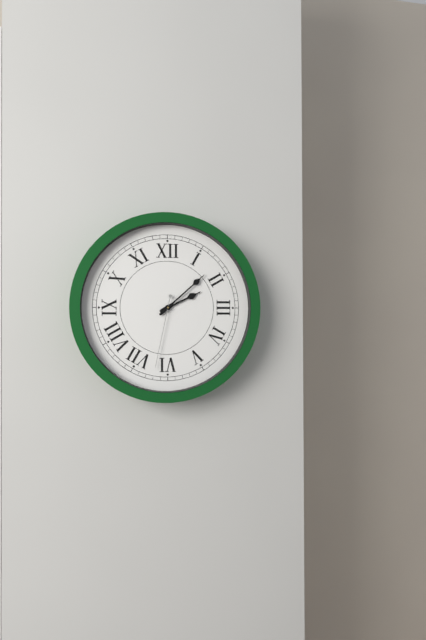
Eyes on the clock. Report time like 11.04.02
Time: 2.08.32
